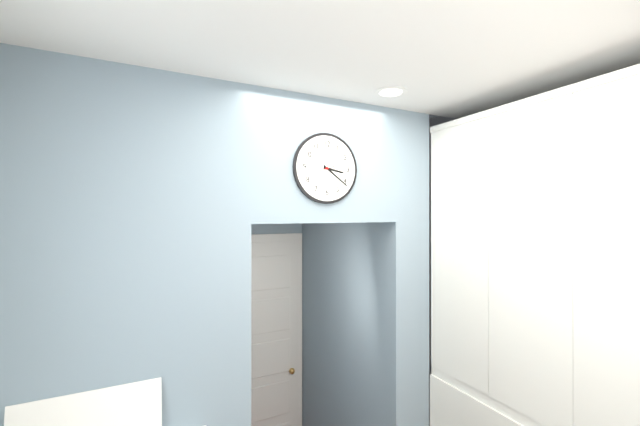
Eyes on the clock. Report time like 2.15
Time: 3.21
